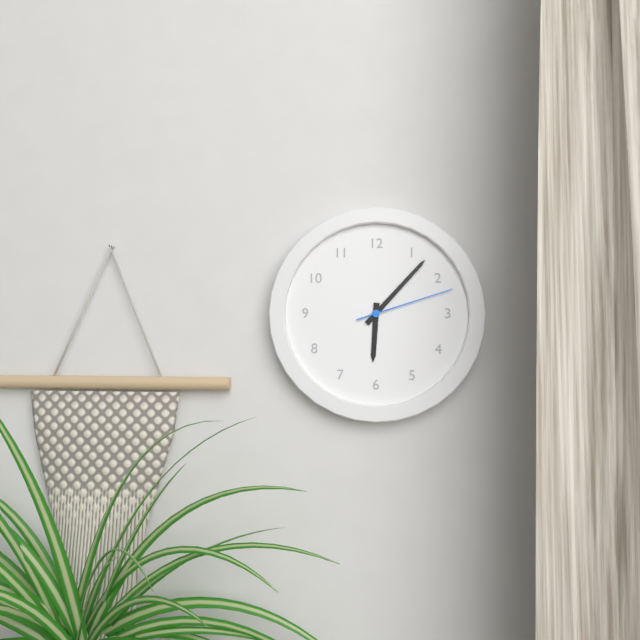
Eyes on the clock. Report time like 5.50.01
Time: 6.07.12
